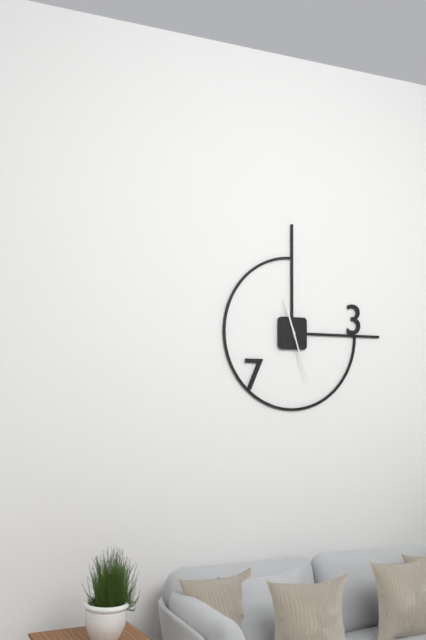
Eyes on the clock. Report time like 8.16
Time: 11.27
